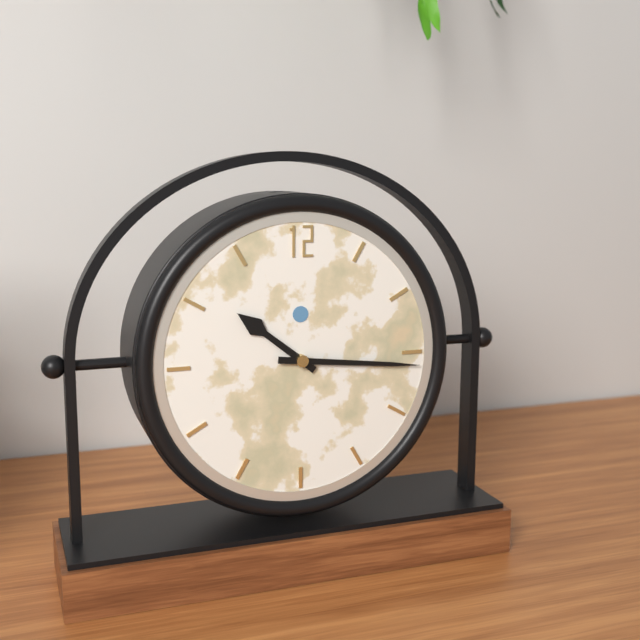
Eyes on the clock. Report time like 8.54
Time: 10.16
